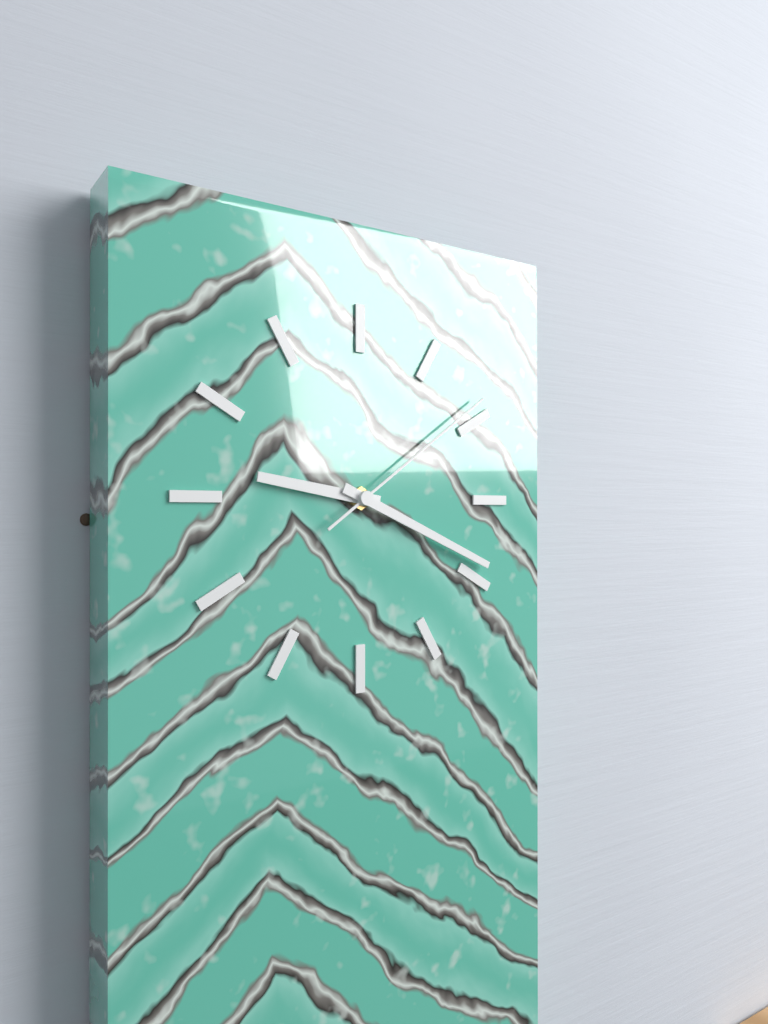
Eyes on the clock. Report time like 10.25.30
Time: 9.19.09
